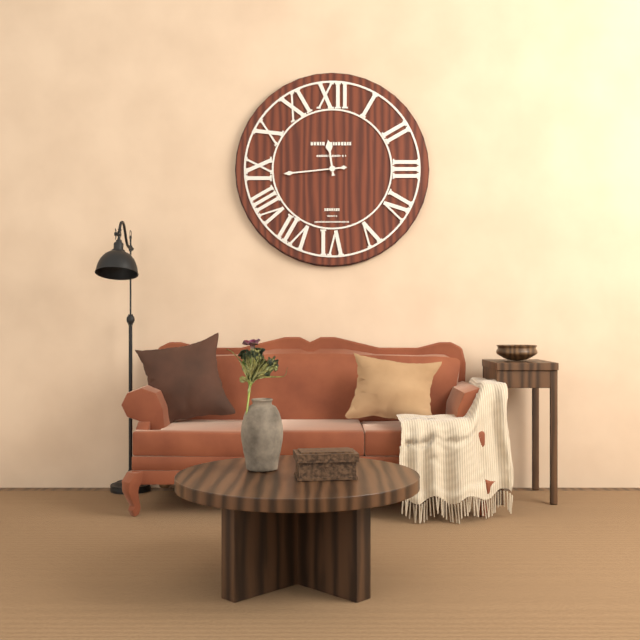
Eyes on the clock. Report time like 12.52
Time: 11.44
